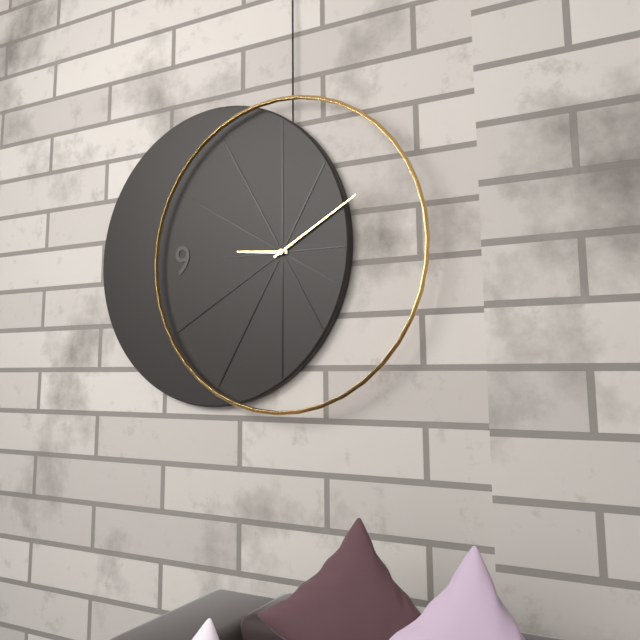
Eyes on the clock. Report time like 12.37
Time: 9.10
